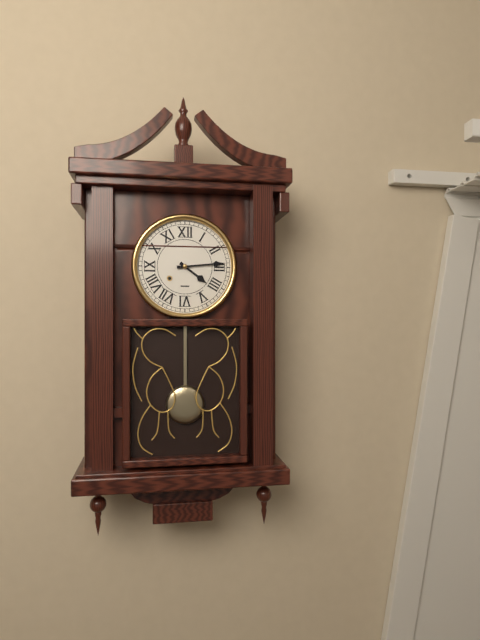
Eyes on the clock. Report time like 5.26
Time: 4.14
